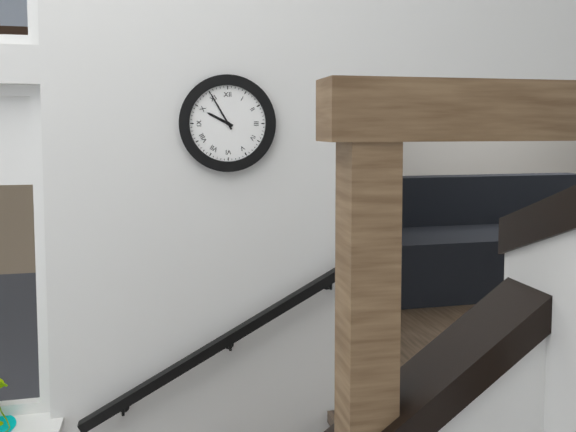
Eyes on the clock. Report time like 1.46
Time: 9.55
